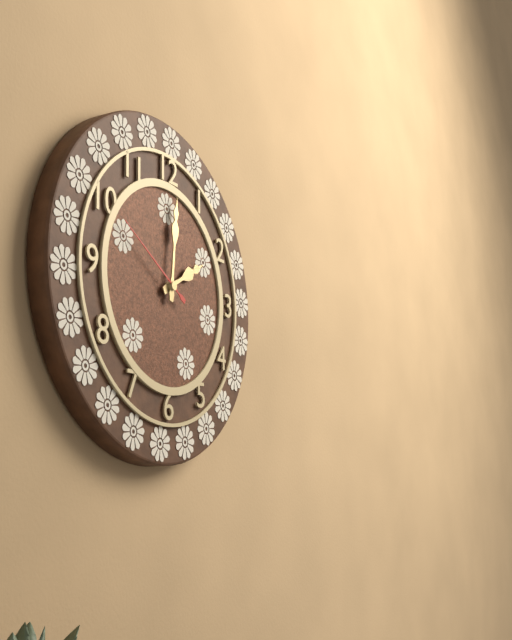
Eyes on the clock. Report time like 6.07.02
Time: 2.01.50
